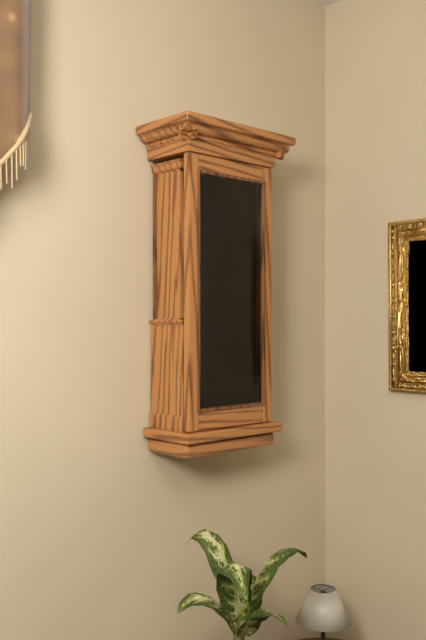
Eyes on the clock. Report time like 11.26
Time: 8.09
